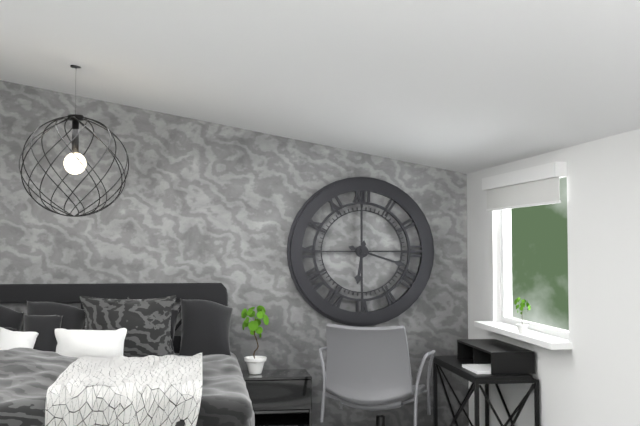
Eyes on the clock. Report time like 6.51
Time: 6.18
